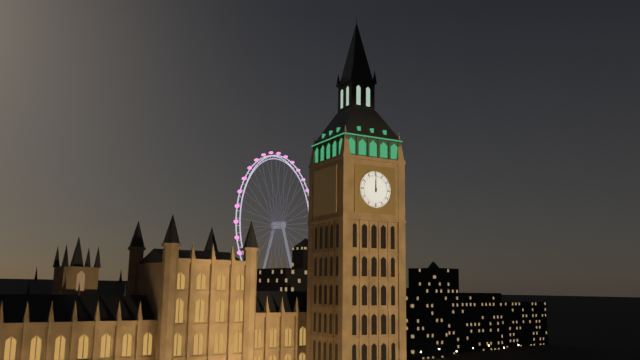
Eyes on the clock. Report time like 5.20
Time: 12.00
